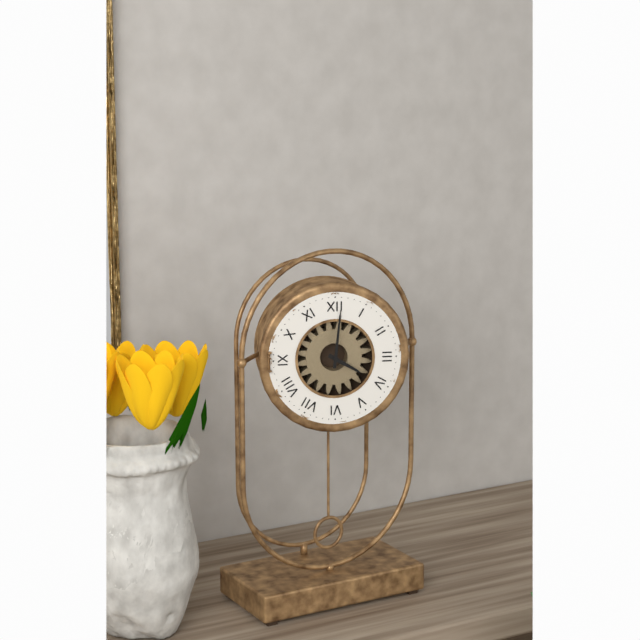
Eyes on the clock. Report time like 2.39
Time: 4.01
